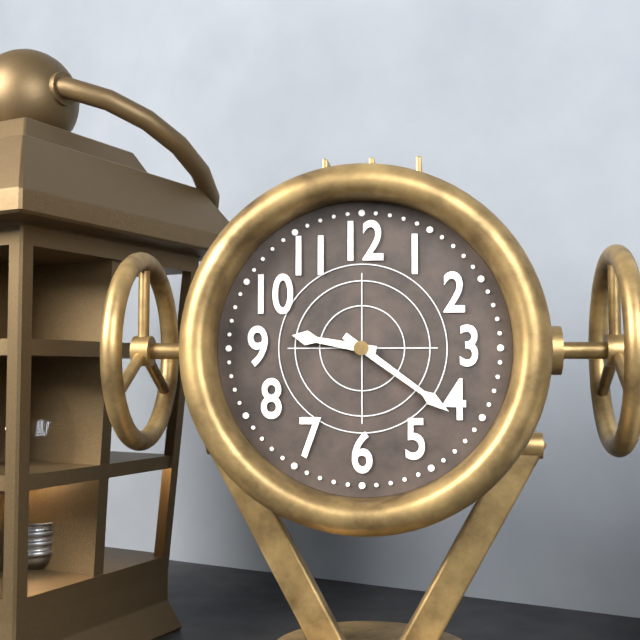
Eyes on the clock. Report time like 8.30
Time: 9.21
